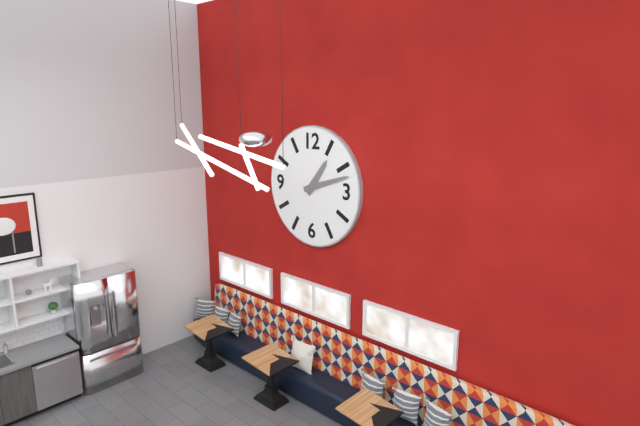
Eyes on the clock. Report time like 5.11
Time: 1.12
